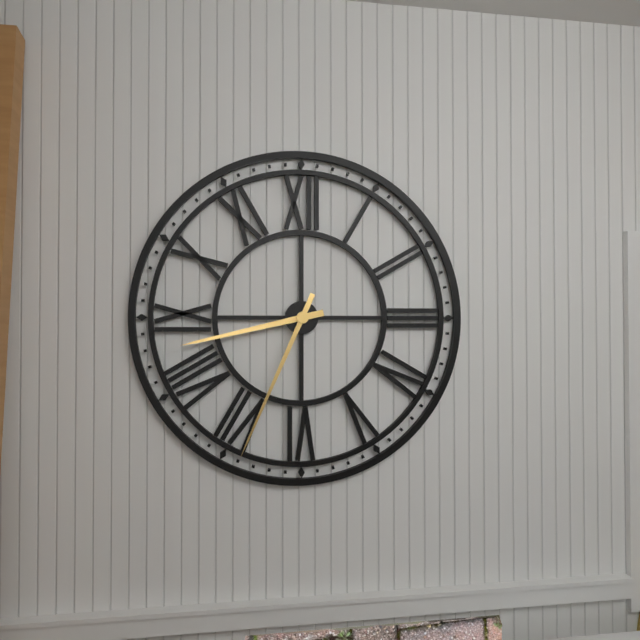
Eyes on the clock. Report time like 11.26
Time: 8.34
